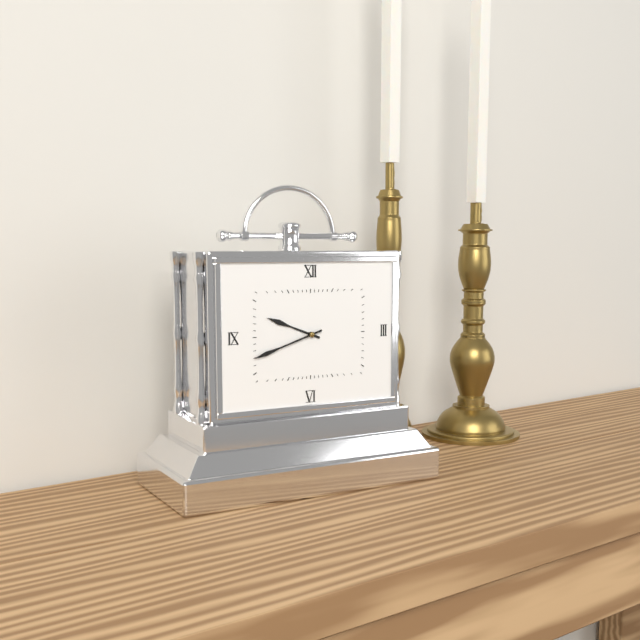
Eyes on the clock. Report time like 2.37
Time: 9.42
